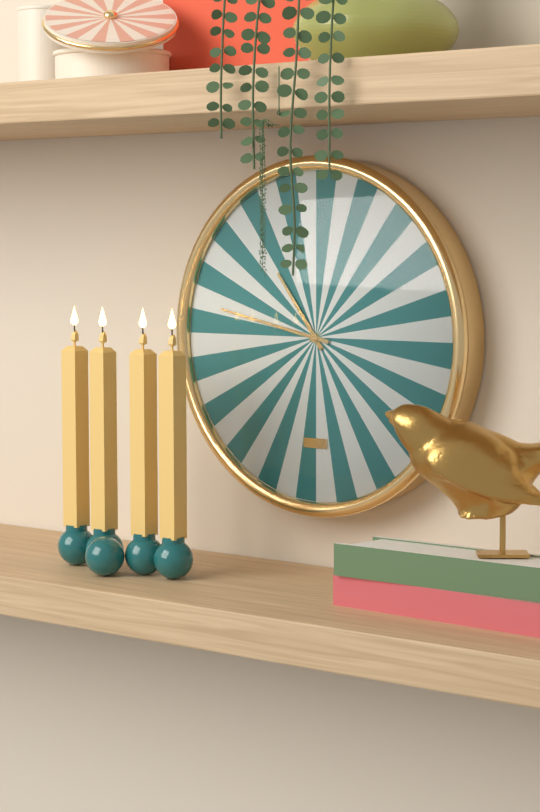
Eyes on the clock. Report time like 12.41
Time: 10.47
